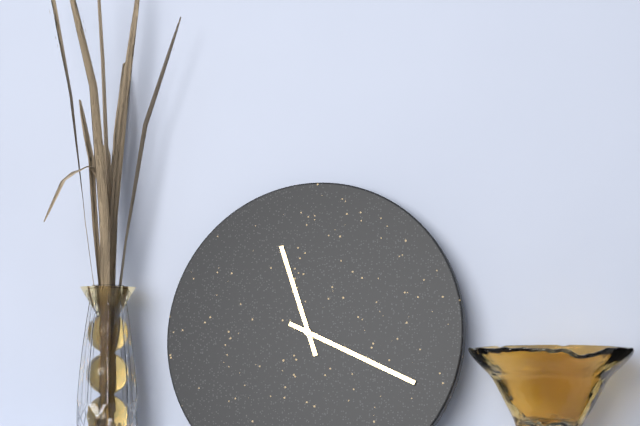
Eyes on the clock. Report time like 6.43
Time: 11.19
